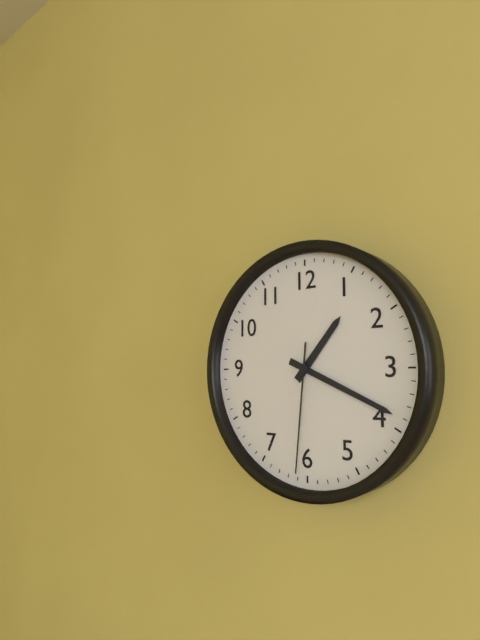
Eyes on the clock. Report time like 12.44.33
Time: 1.19.31
